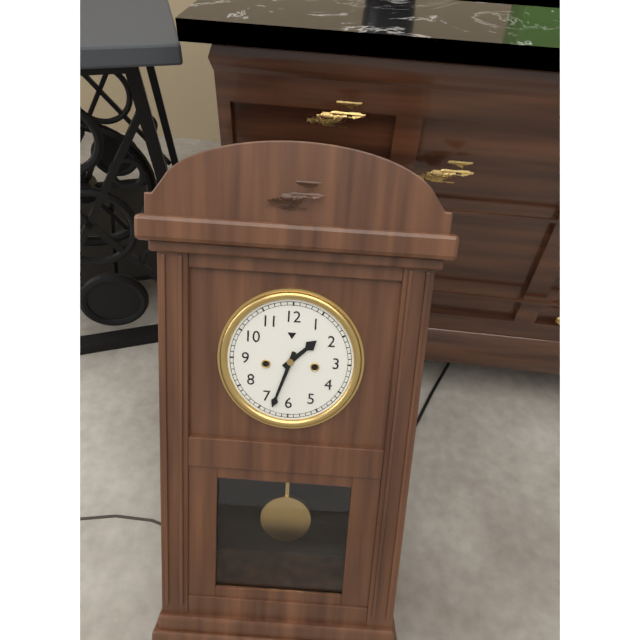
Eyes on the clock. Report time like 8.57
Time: 1.33
